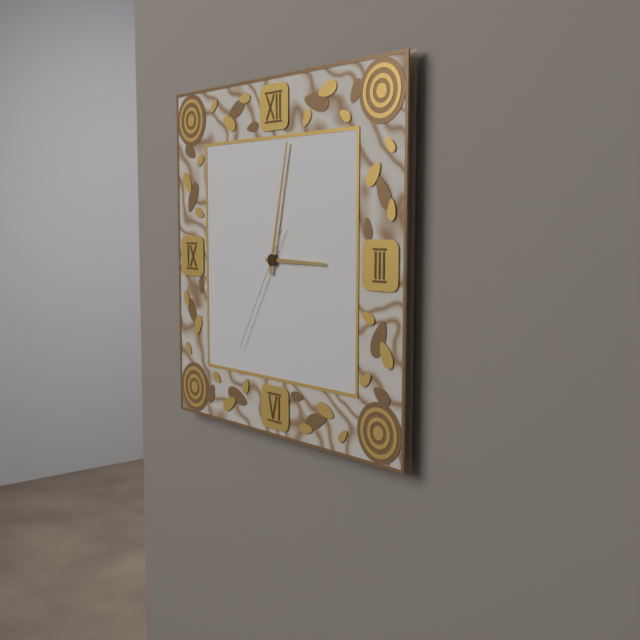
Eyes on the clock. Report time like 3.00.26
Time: 3.02.35
